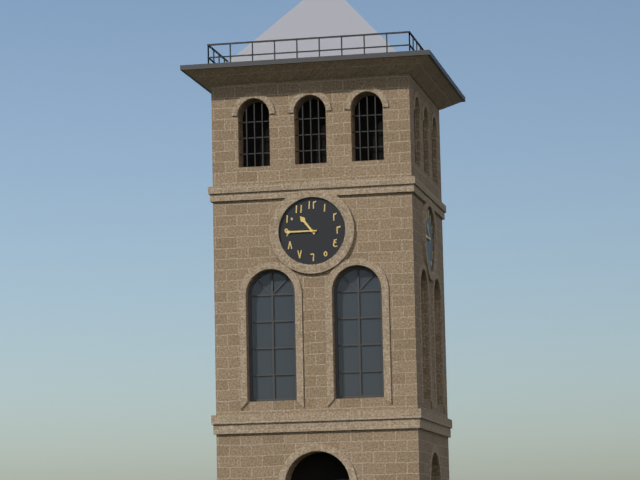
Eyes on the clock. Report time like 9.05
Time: 10.45
